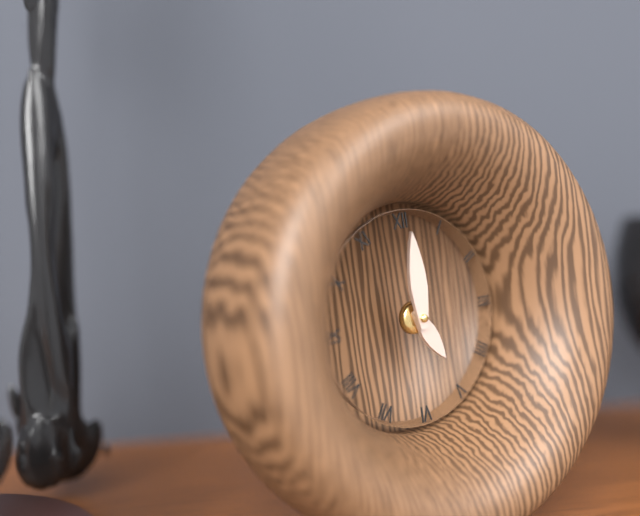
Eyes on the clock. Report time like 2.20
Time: 5.00
